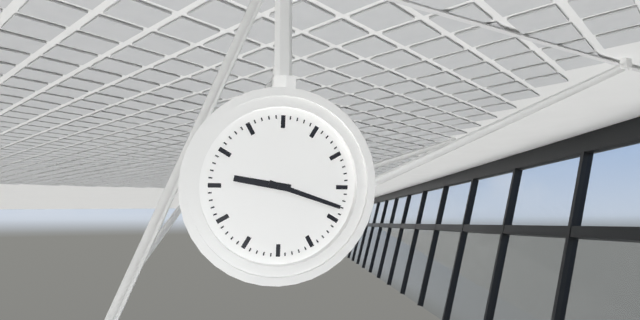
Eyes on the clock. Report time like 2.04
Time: 9.18
